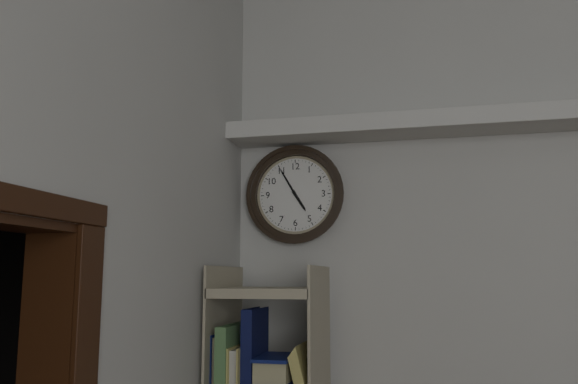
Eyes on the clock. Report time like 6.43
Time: 4.55
